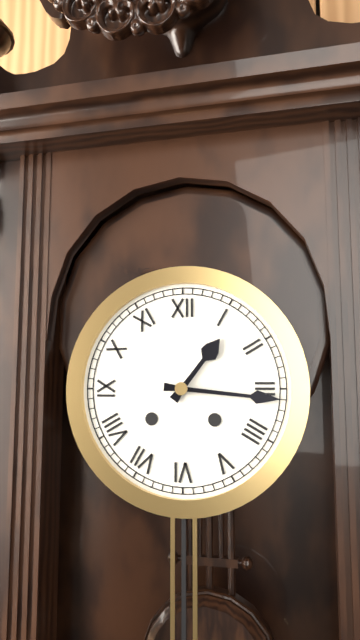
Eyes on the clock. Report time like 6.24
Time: 1.16
